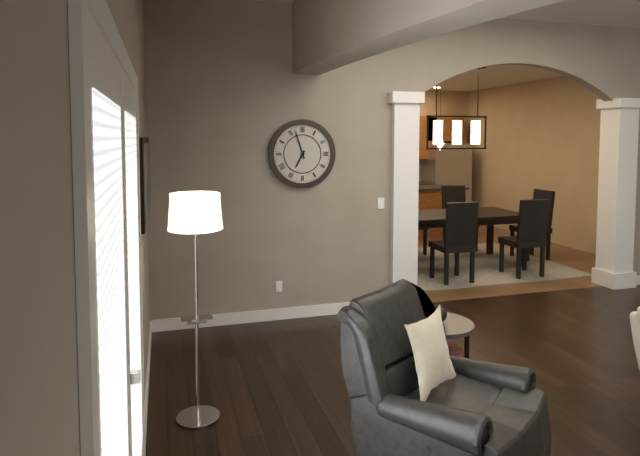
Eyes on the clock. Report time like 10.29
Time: 6.57
